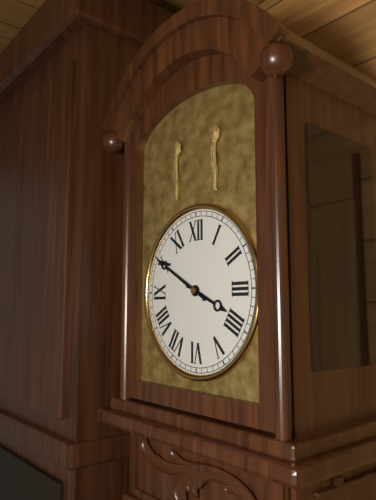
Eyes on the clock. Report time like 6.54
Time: 3.50
